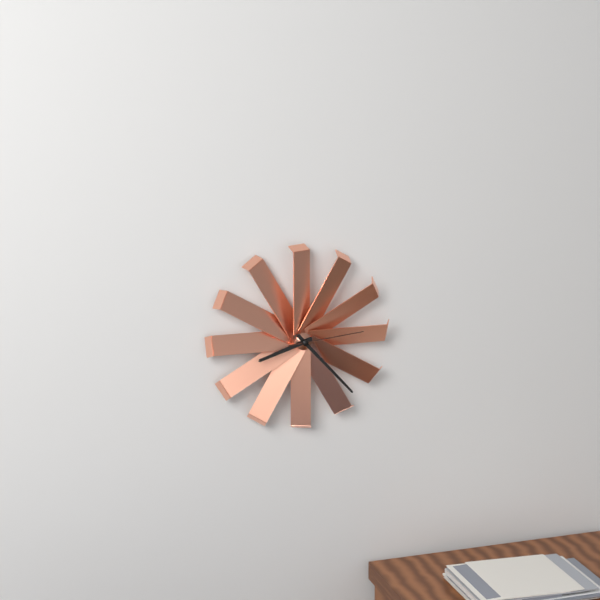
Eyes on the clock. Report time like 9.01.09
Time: 8.23.14
